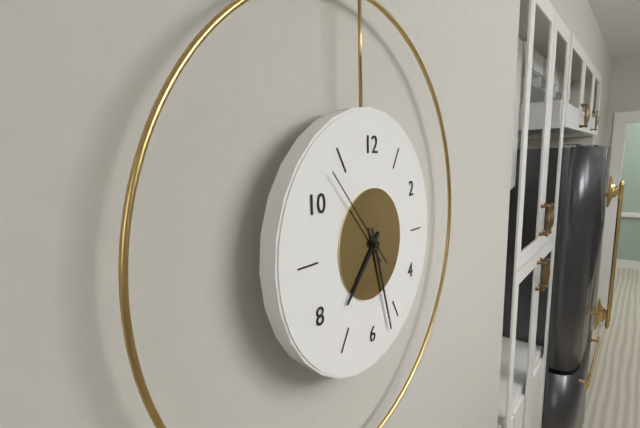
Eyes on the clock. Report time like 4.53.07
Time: 7.27.53
